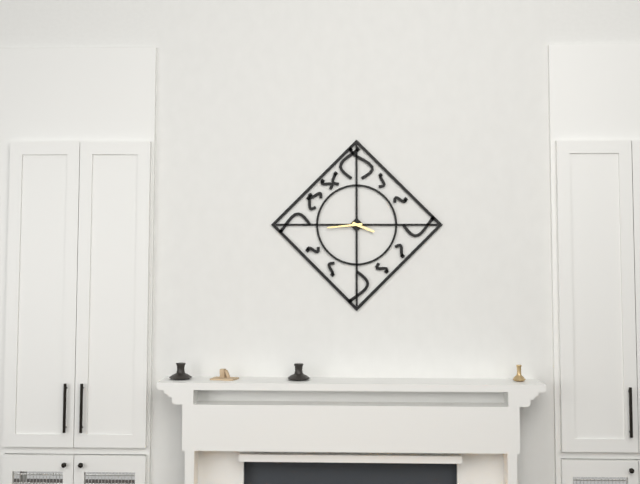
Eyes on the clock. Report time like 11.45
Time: 3.44
